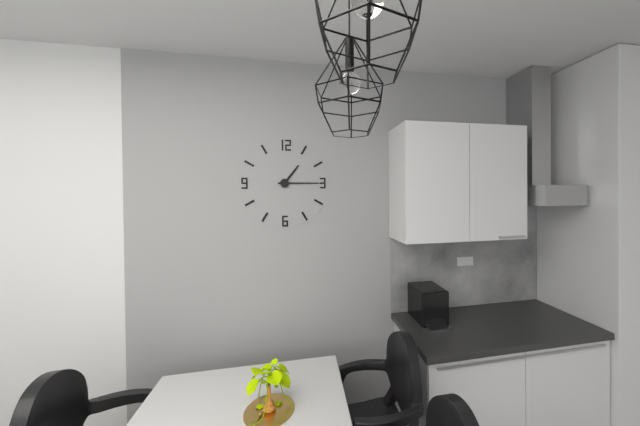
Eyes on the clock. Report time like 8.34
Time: 1.15
